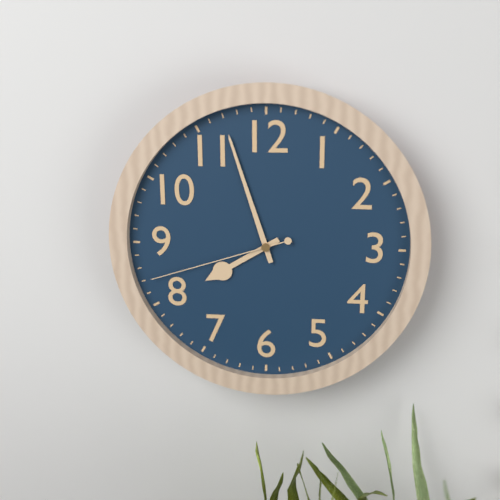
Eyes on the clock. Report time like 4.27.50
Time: 7.57.42
